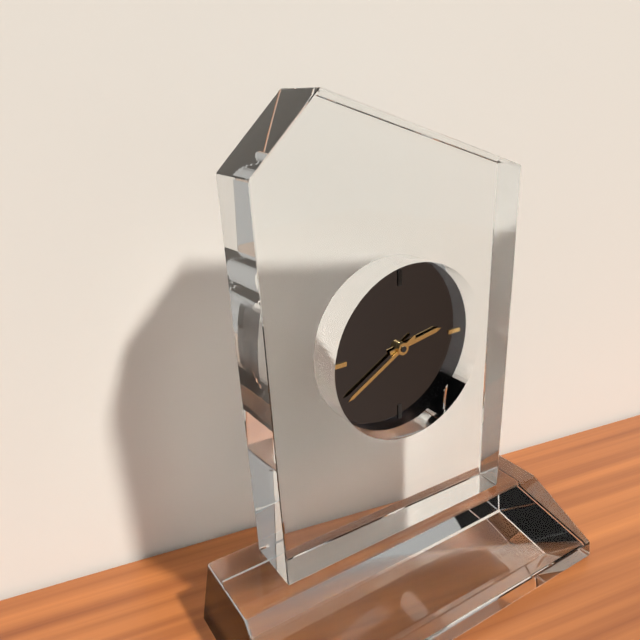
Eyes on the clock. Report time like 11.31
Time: 2.40
